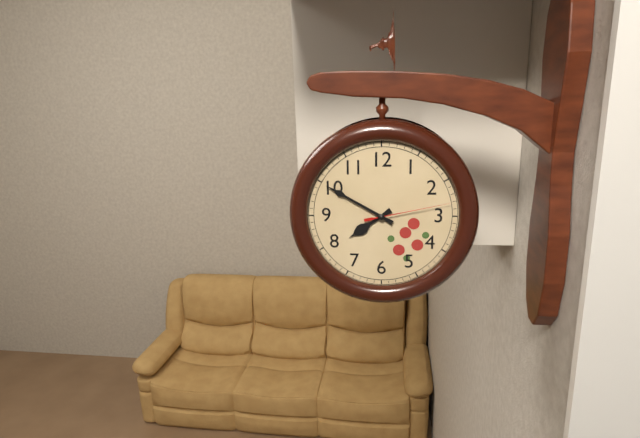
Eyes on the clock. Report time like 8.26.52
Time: 7.50.13
